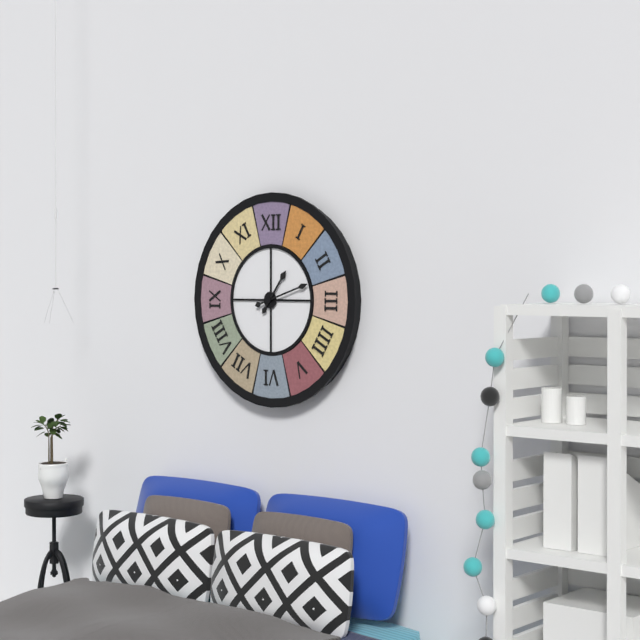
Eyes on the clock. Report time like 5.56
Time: 1.12
